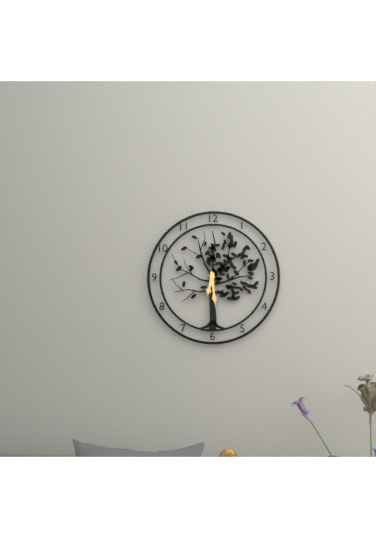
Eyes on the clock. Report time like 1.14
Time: 6.29
